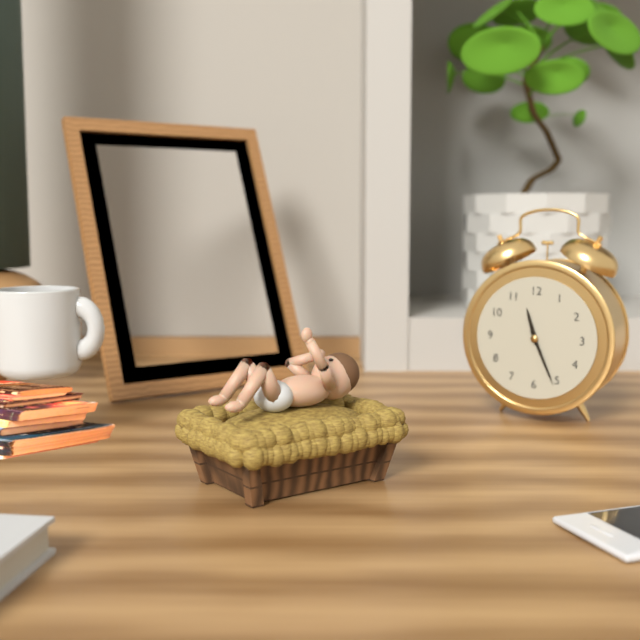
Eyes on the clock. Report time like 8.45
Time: 11.26
